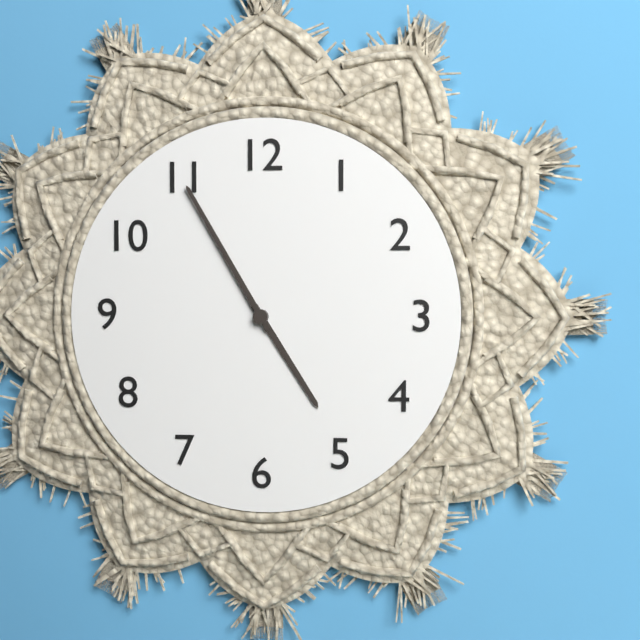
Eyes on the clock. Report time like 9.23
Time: 4.55
